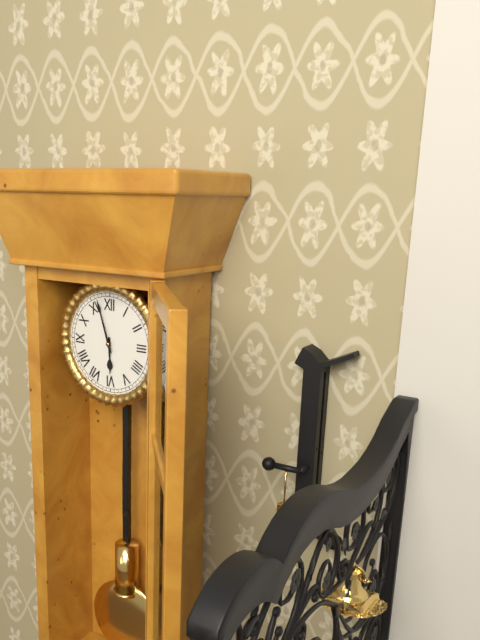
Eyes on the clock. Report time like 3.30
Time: 5.57
